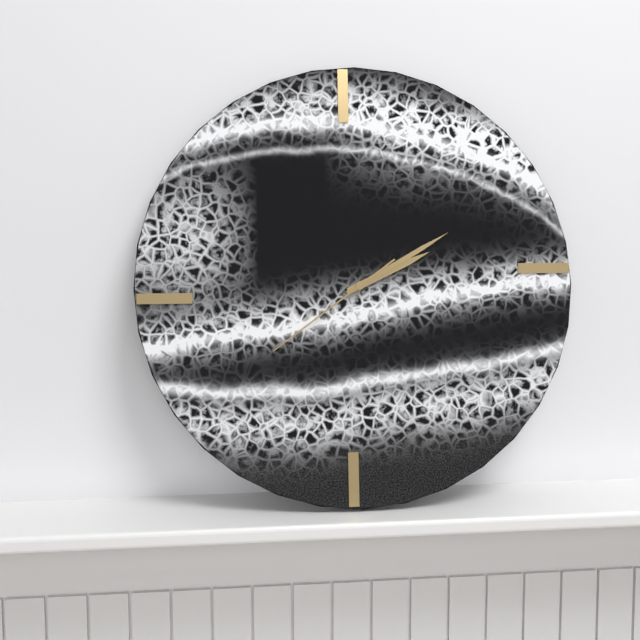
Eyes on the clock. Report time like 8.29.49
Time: 2.10.39
